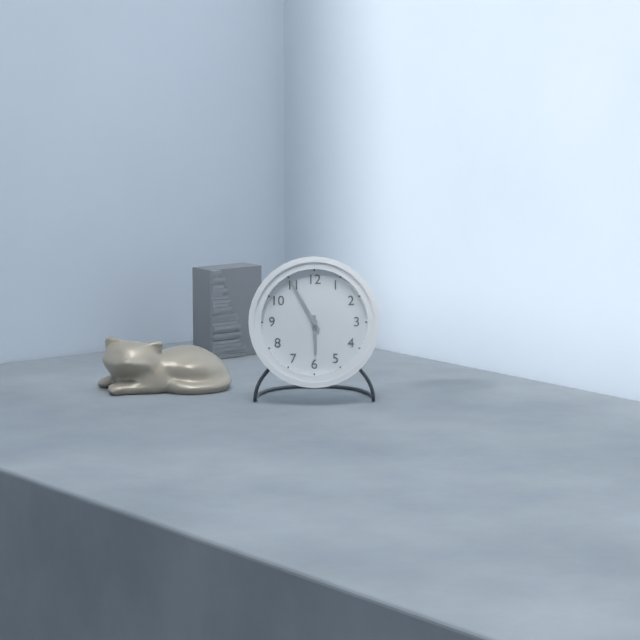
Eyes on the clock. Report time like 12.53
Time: 5.55
